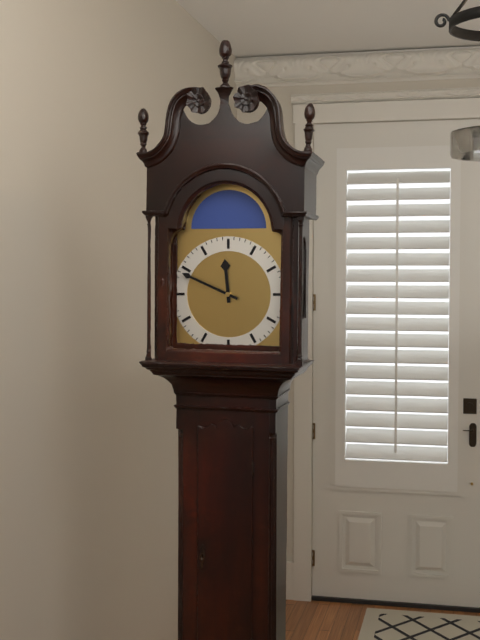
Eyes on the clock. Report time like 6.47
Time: 11.49
